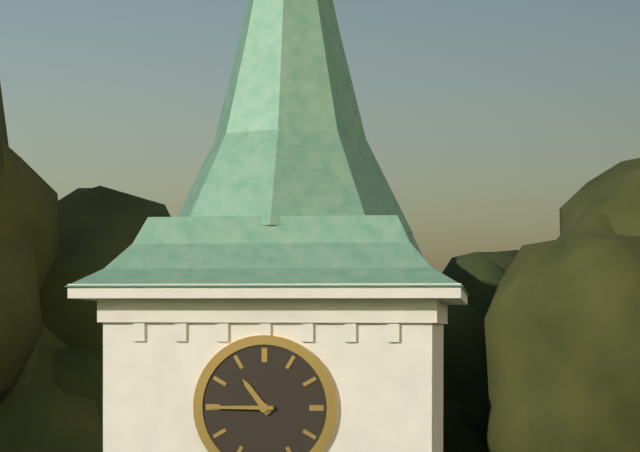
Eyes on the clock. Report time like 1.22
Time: 10.45
